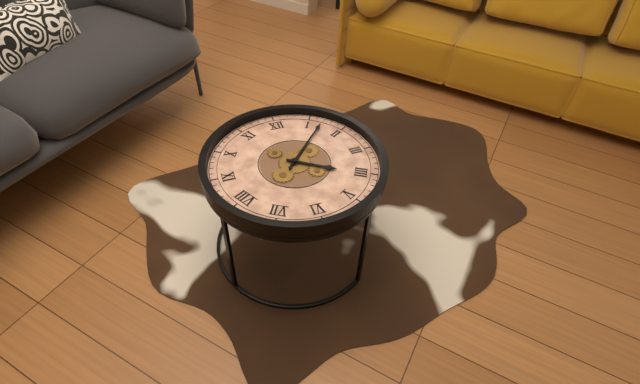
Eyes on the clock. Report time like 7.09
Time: 4.07
